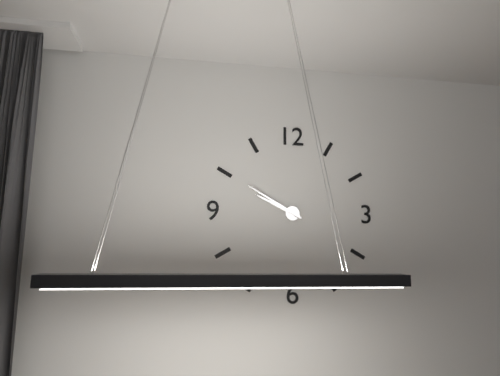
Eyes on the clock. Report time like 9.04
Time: 9.50
